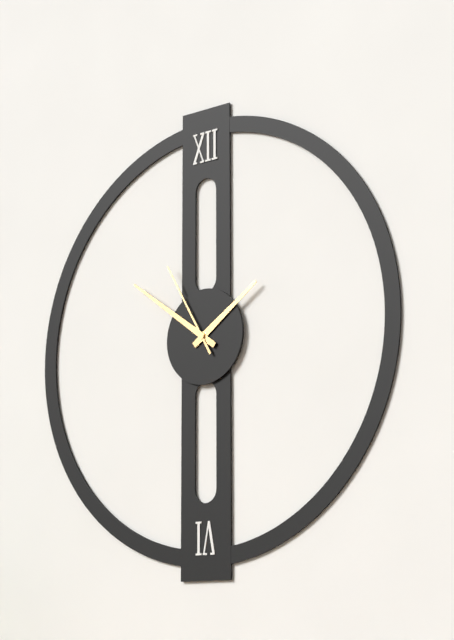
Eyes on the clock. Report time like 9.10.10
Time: 1.51.55
